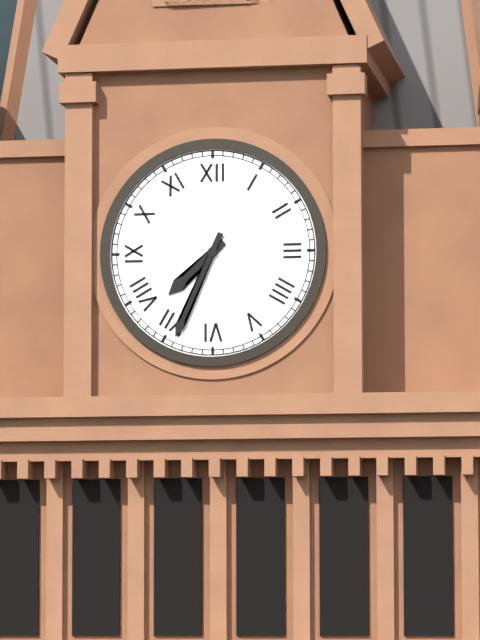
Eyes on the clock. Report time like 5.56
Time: 7.34
